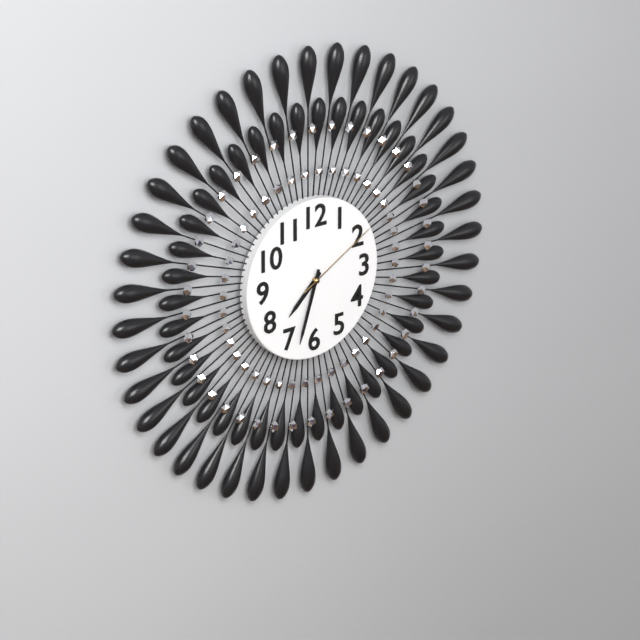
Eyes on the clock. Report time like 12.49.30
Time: 7.33.10
